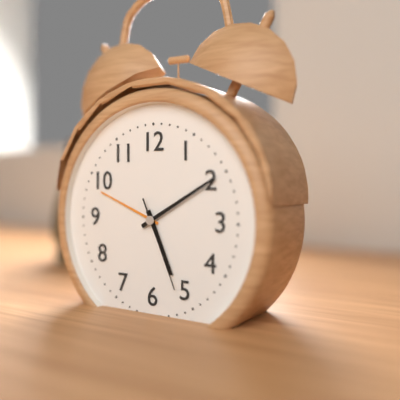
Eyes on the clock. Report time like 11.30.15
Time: 5.10.26
